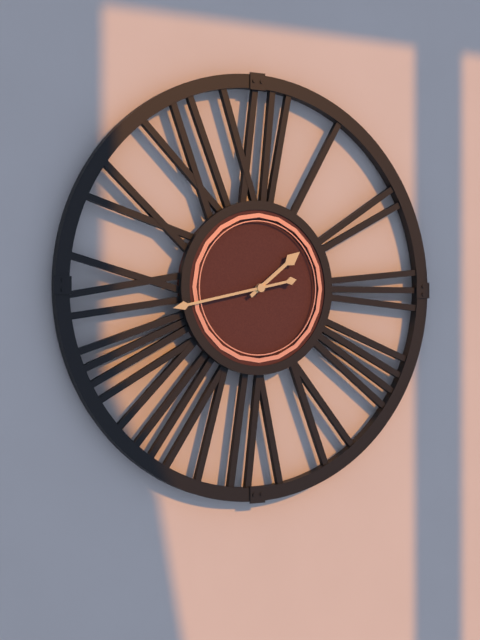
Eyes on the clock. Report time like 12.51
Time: 1.43
